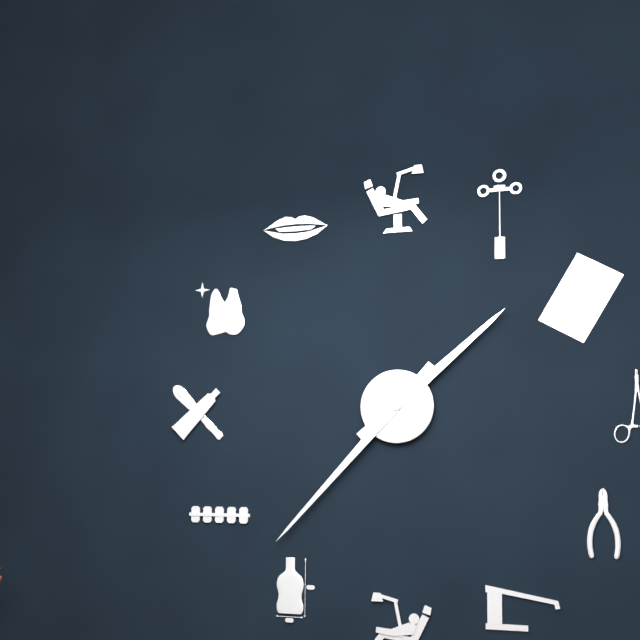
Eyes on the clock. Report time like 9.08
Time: 1.37
